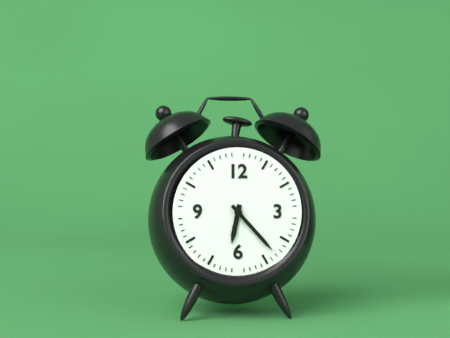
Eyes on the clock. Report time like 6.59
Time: 6.23
